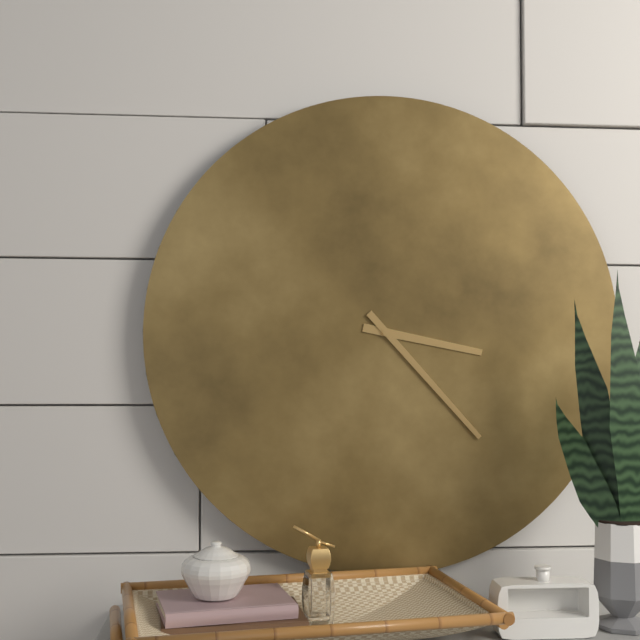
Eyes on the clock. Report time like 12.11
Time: 3.23
